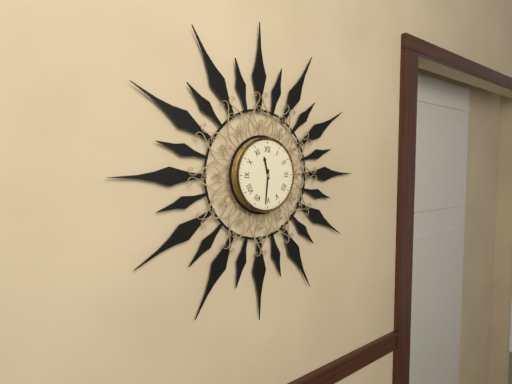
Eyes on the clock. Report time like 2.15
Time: 11.31
